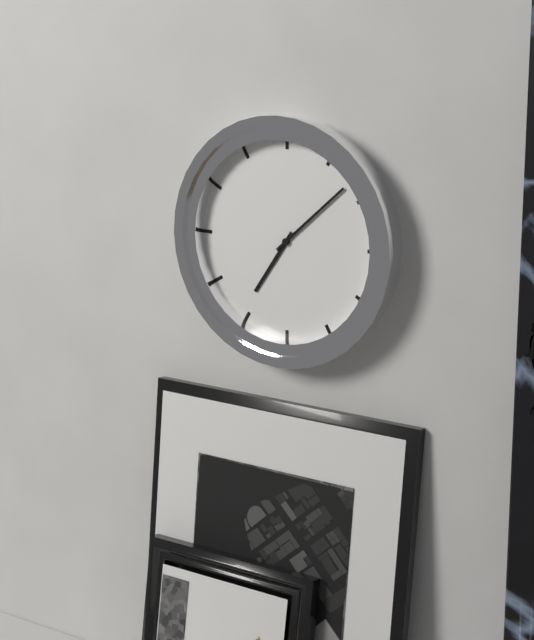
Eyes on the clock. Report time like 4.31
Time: 7.08
